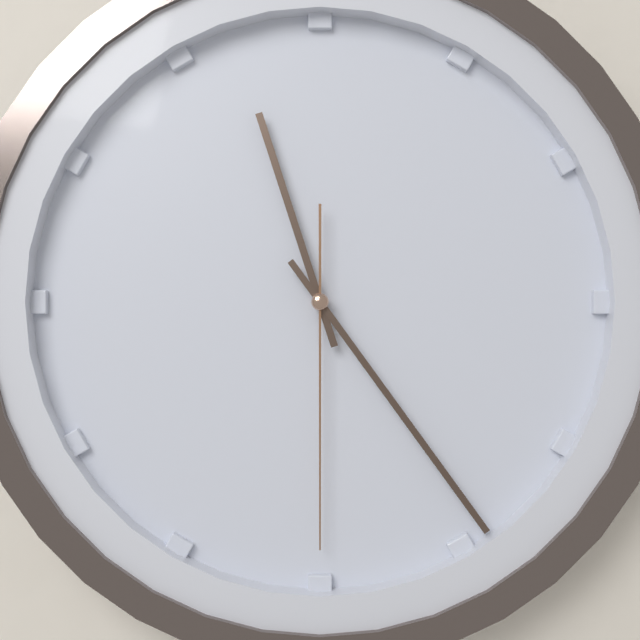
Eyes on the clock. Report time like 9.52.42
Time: 11.24.30
